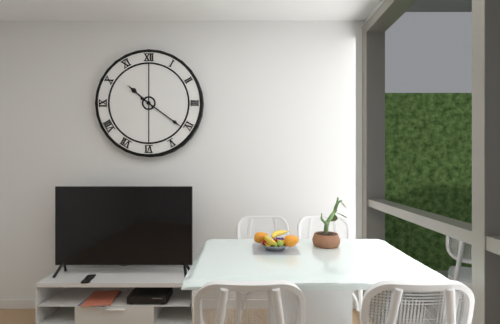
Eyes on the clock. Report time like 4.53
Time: 10.21
